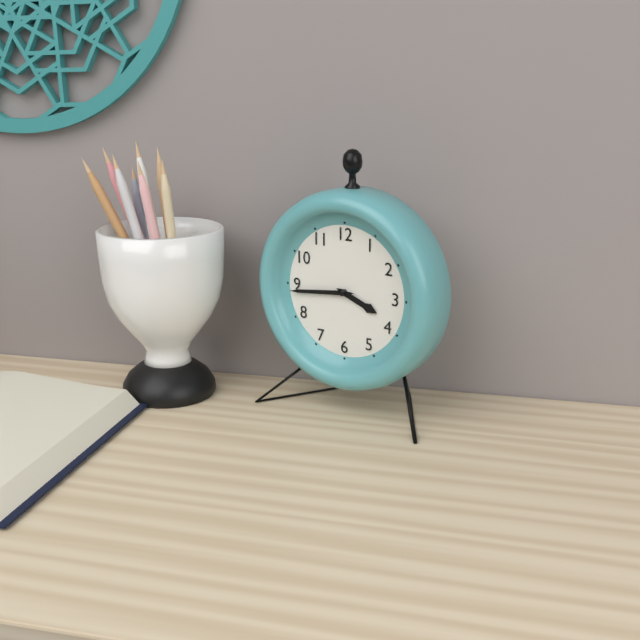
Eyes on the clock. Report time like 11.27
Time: 3.44
